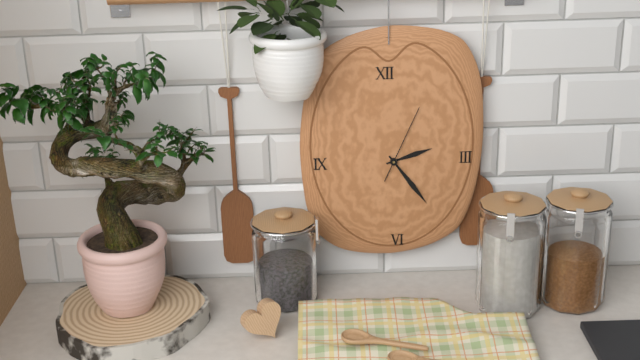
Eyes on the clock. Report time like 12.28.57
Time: 2.24.04
